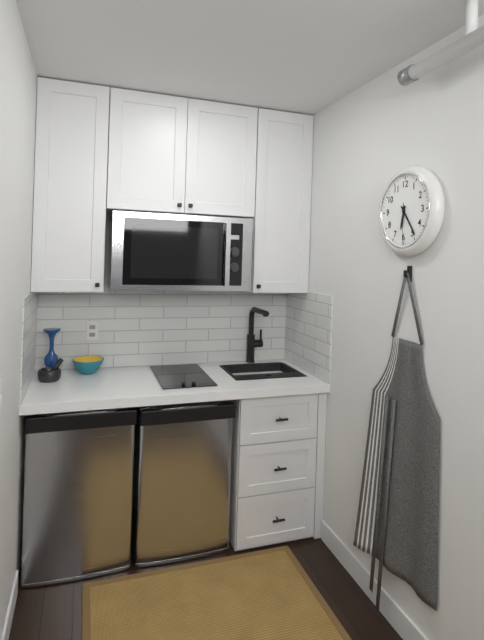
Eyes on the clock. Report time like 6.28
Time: 6.24
